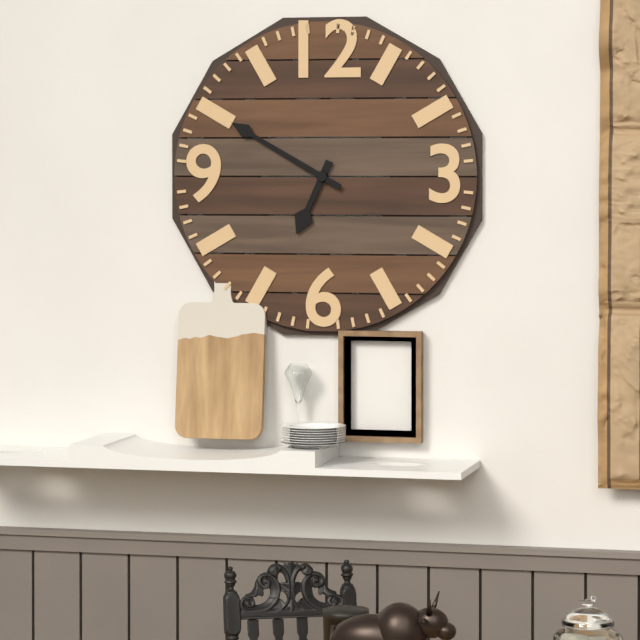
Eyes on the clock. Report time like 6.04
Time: 6.50
